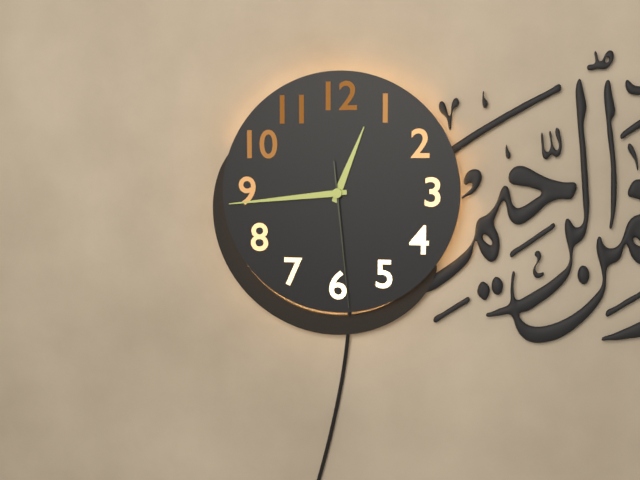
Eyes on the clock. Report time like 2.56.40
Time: 12.44.29
